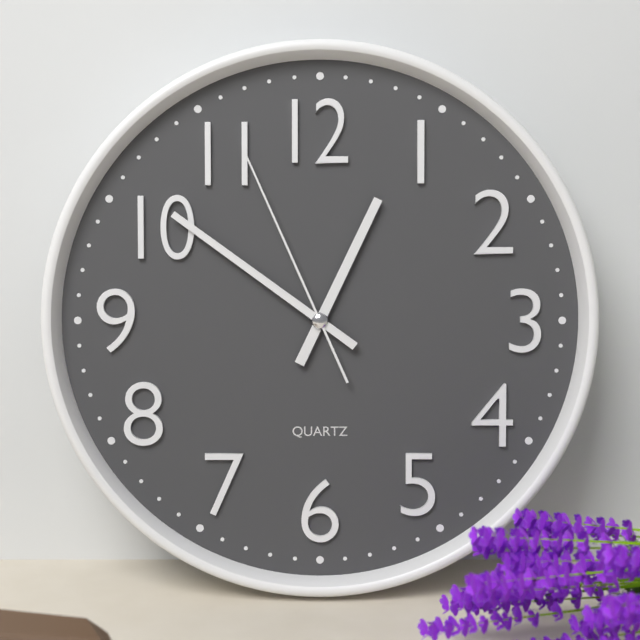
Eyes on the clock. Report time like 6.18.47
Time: 12.51.56
